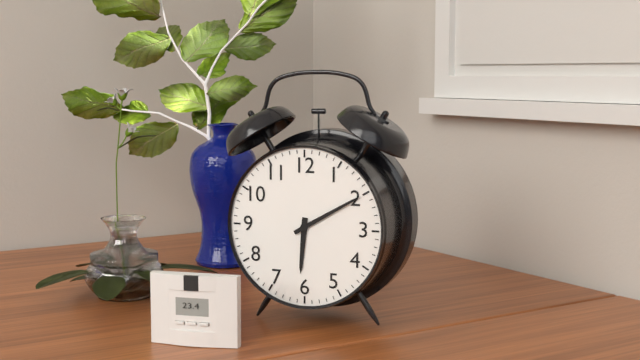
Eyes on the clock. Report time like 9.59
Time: 6.10
